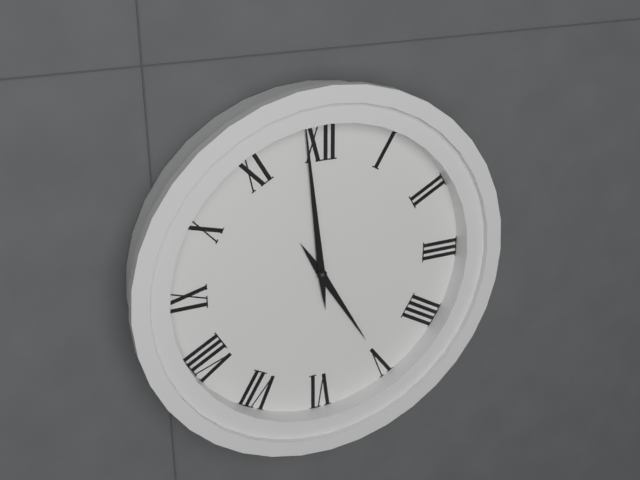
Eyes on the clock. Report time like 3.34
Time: 4.59
